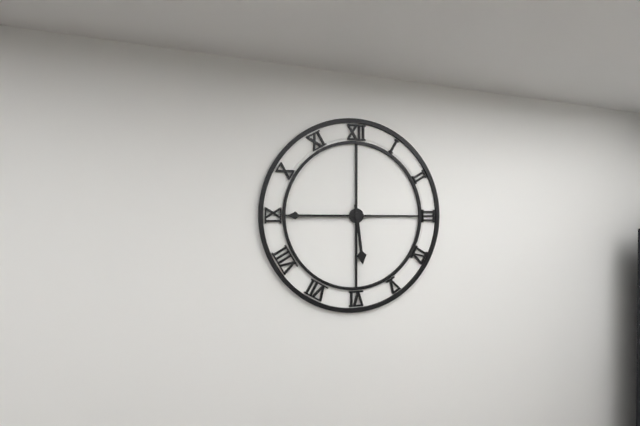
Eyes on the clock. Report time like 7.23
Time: 5.45
